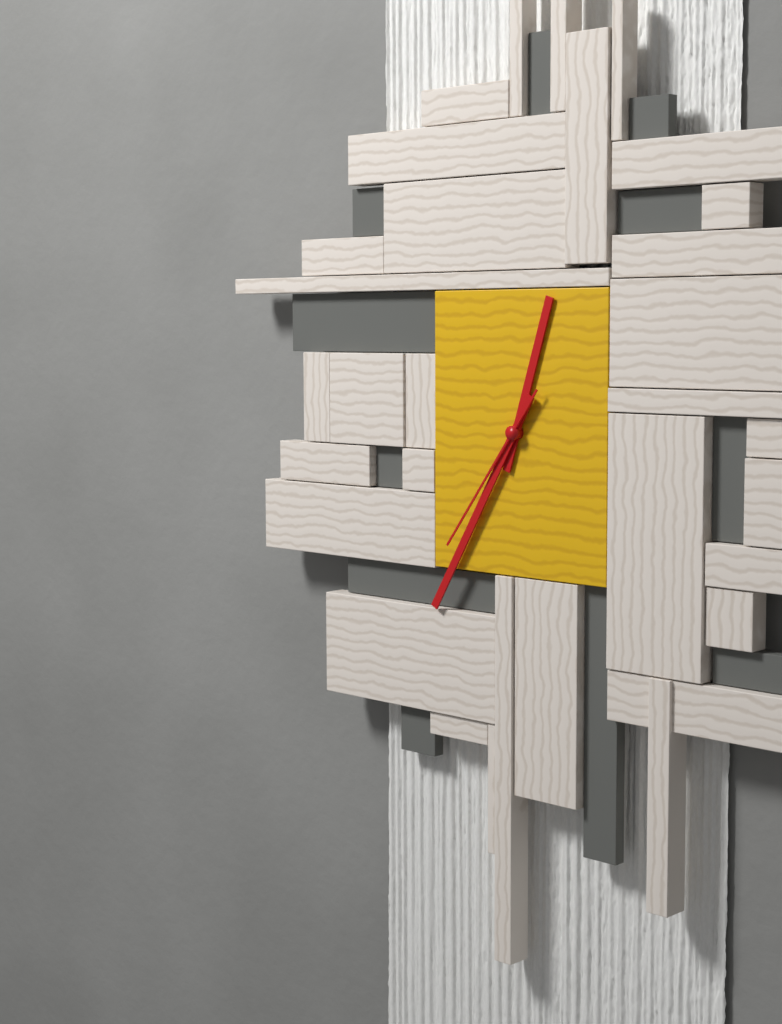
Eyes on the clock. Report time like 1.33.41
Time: 12.35.36
